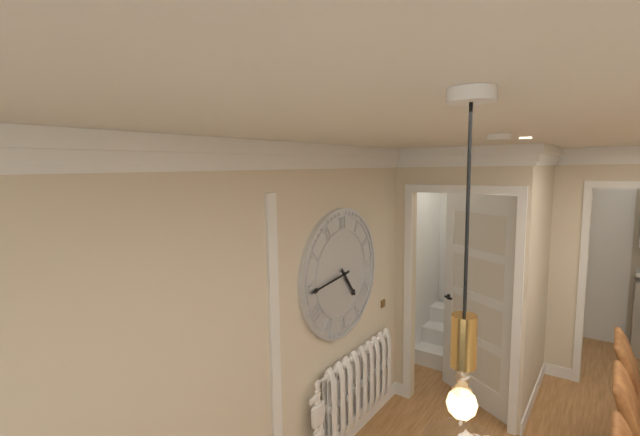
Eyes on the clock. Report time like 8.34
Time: 4.44
